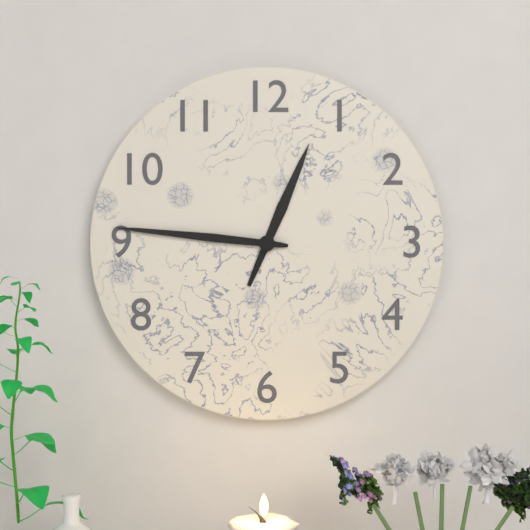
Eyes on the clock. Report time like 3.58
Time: 12.46
